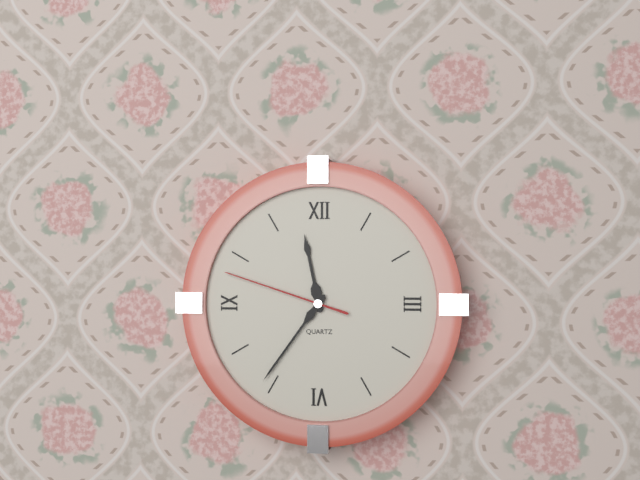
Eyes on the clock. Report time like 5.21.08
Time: 11.36.48
